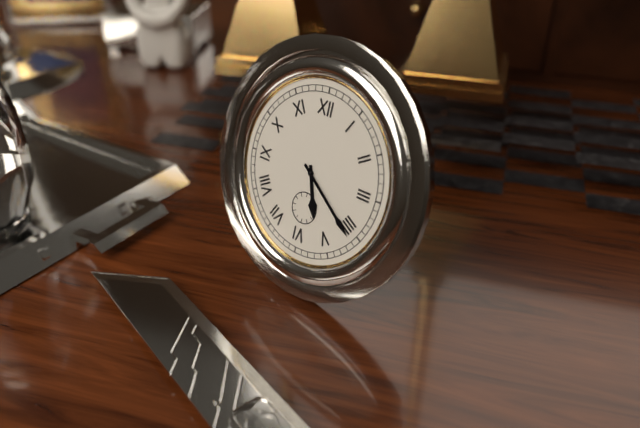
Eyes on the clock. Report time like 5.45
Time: 5.21
